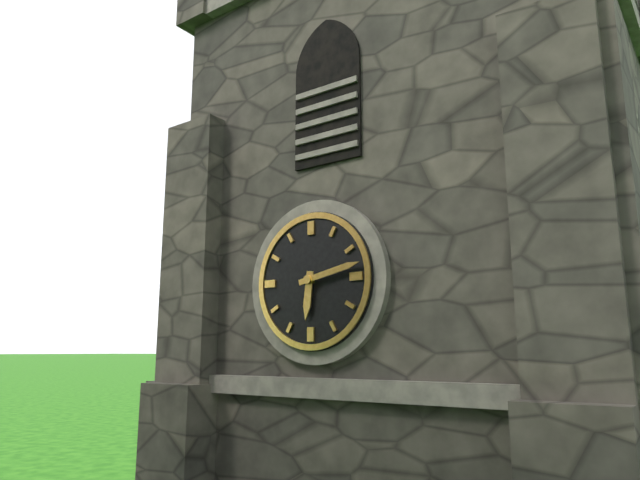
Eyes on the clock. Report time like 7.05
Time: 6.13
